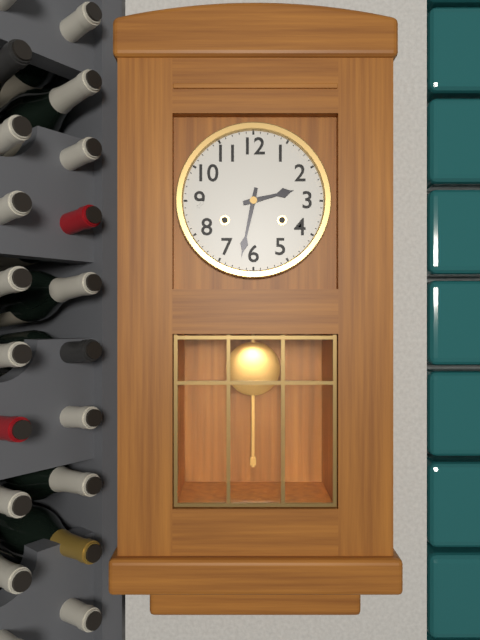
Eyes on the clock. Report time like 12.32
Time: 2.32
